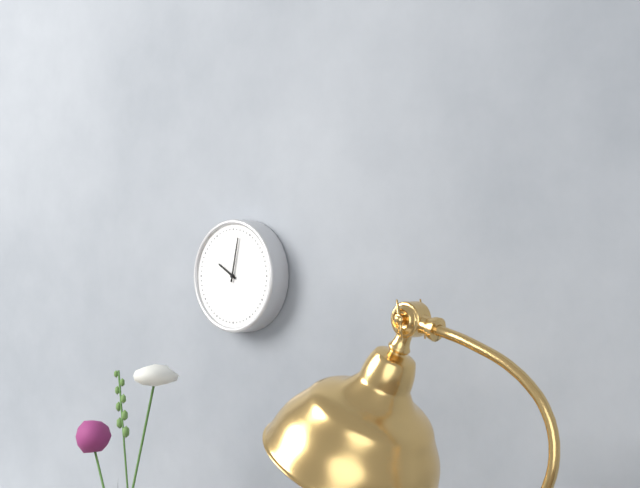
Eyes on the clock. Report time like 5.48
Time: 10.02
